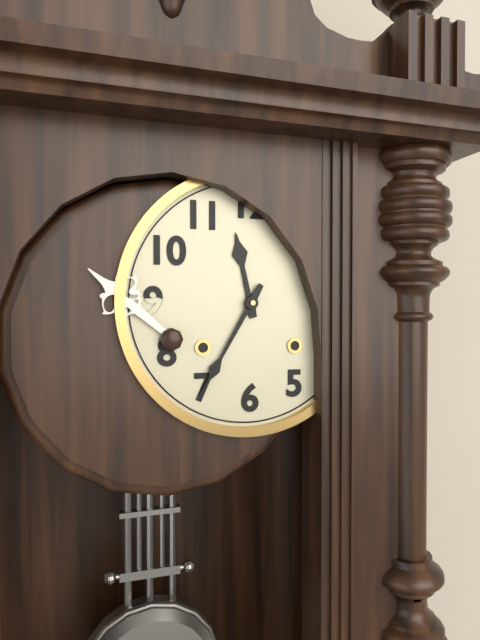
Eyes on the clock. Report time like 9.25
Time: 11.35
